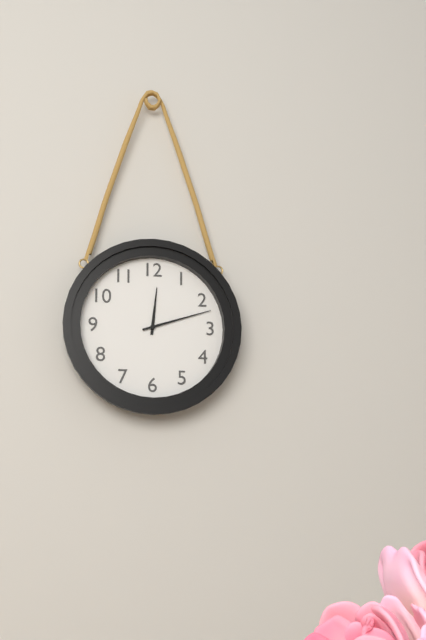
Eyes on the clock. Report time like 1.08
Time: 12.12
